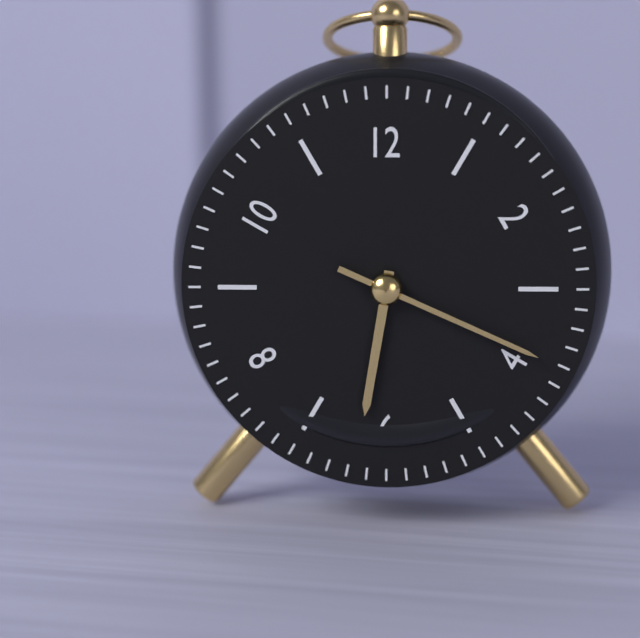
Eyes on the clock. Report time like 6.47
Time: 6.19
